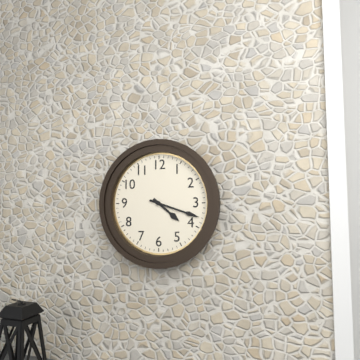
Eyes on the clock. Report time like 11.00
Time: 4.18
